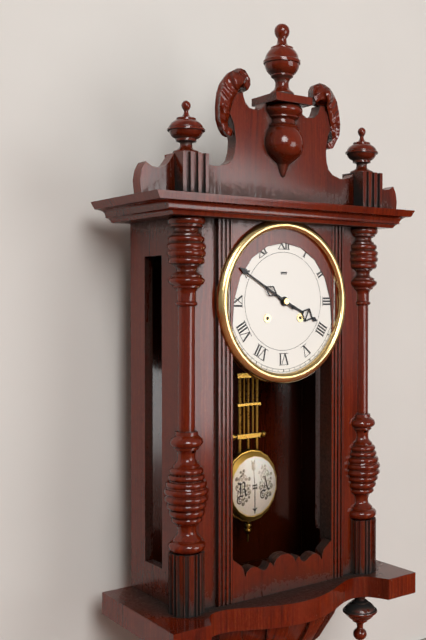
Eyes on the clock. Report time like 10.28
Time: 3.50
